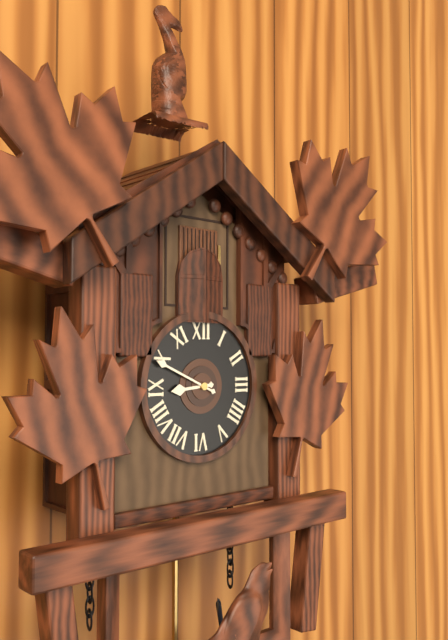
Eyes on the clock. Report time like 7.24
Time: 8.49
